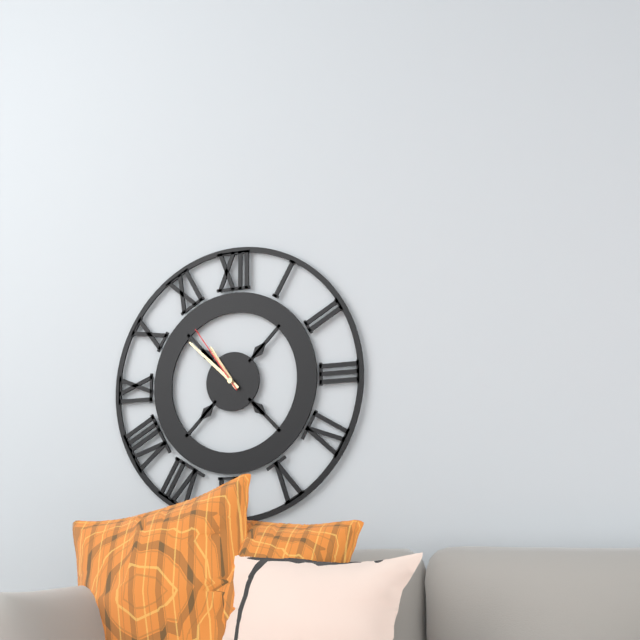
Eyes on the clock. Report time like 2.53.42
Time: 10.52.54
